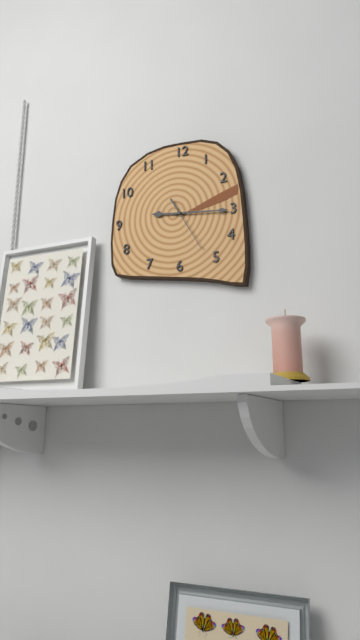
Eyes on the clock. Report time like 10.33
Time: 9.16
